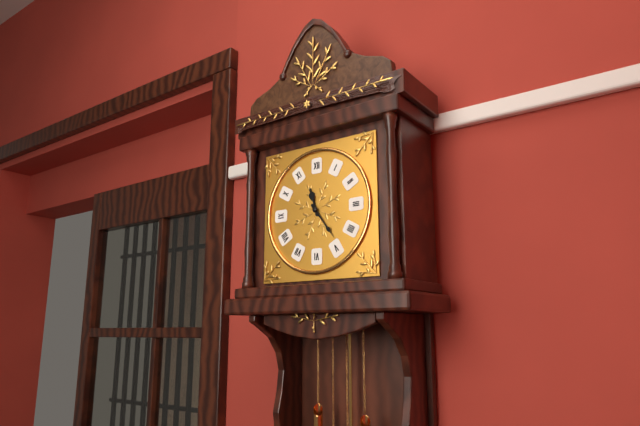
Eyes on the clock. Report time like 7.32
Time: 11.24
